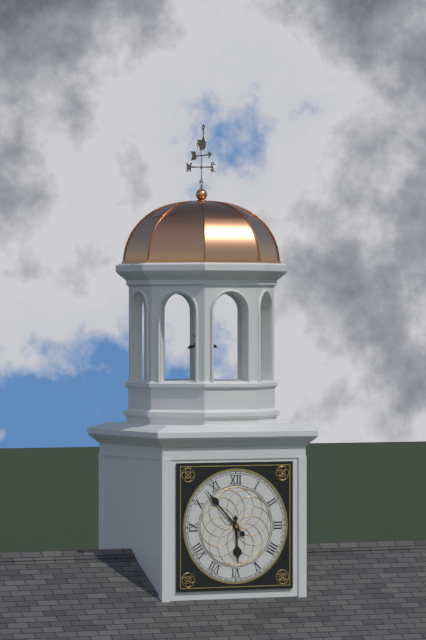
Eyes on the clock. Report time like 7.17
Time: 5.53
